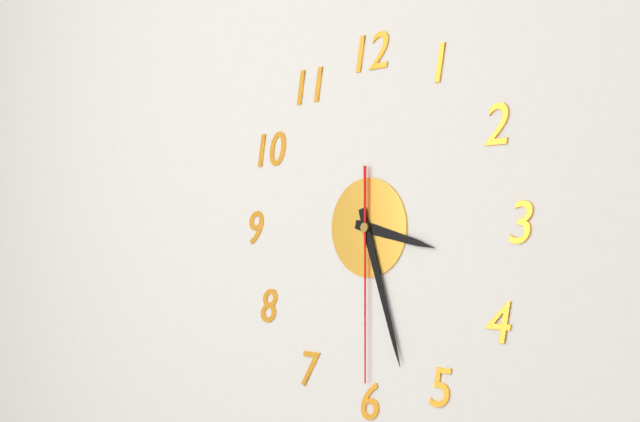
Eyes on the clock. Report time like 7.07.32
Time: 3.27.30
